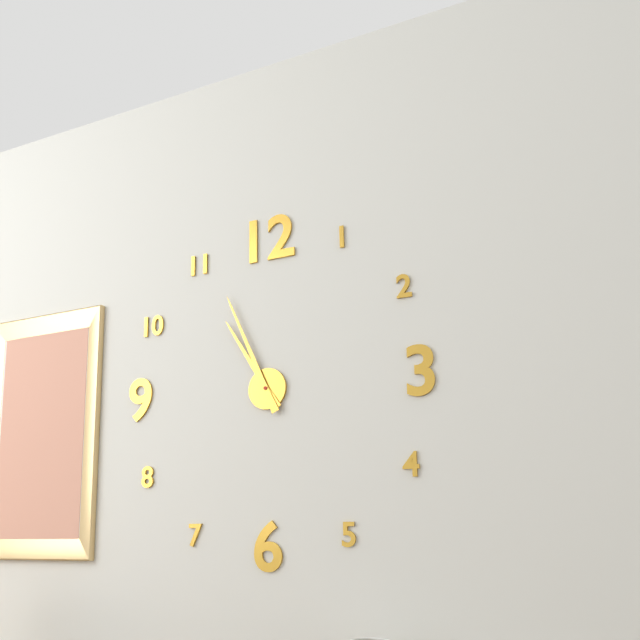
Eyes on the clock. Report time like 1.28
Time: 10.56
